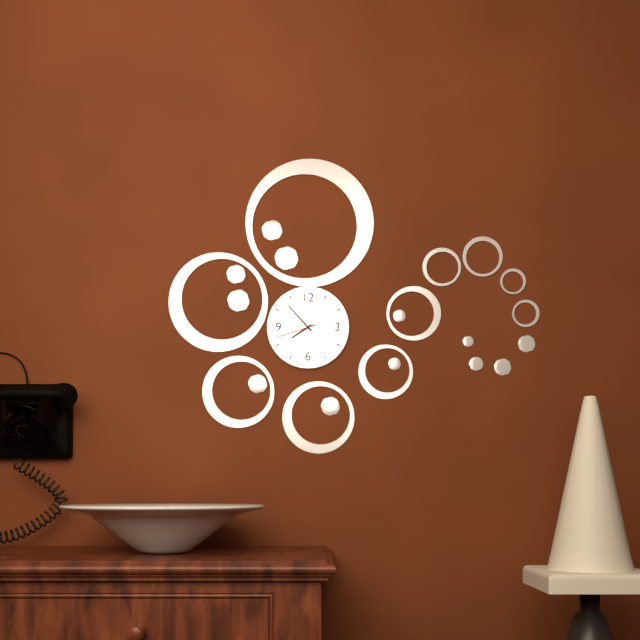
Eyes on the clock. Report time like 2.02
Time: 7.53
